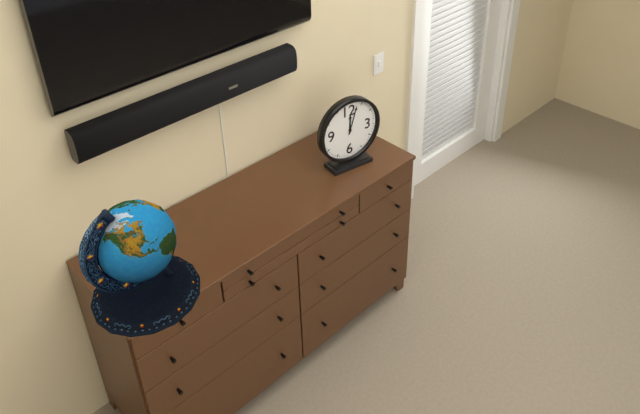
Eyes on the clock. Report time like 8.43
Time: 12.03
